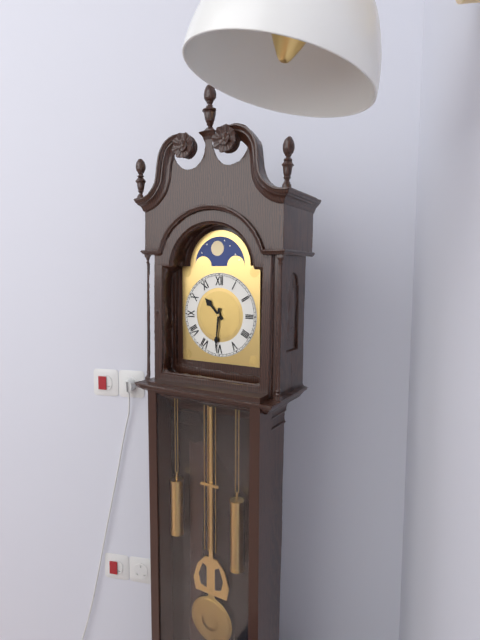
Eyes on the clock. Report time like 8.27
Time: 10.31
